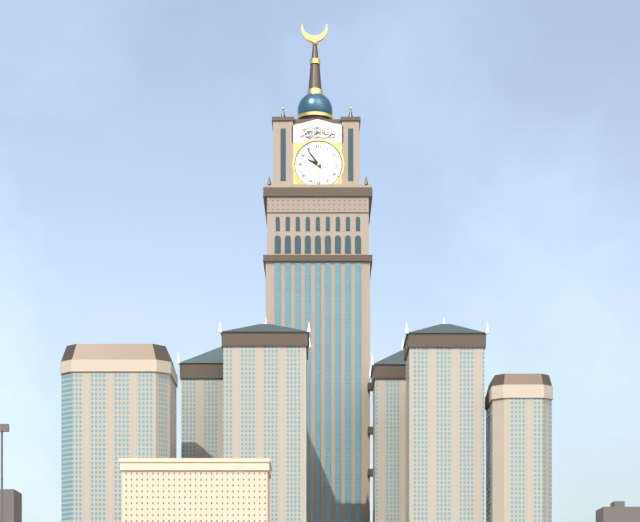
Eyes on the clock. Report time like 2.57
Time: 9.54
